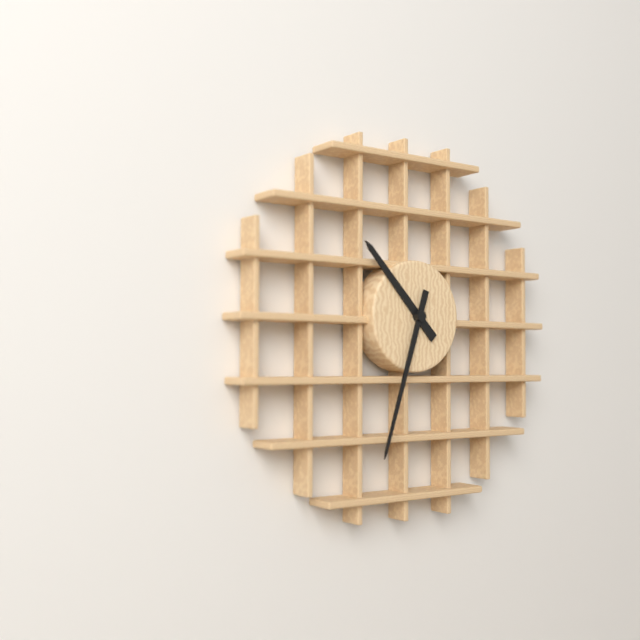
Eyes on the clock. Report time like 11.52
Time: 10.33
